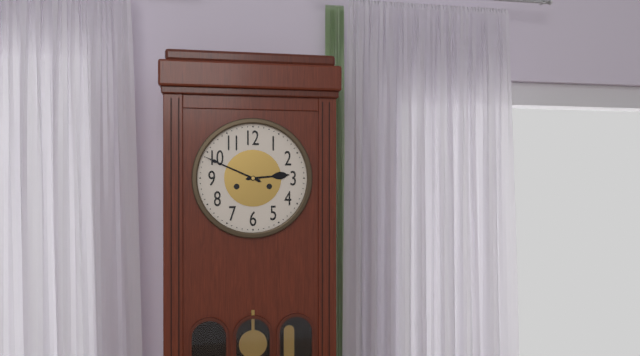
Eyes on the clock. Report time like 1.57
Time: 2.49
